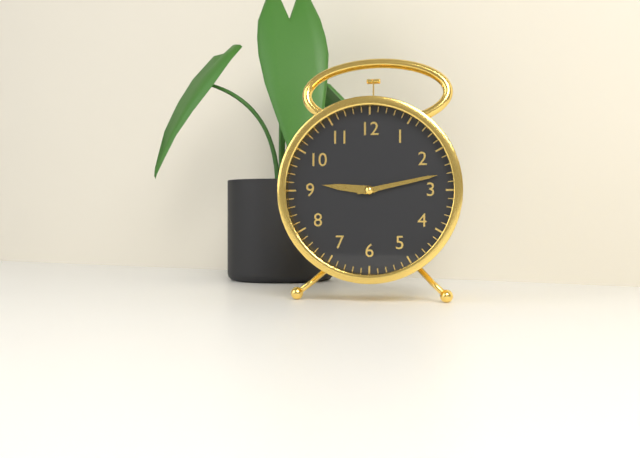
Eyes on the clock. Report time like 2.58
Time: 9.13
